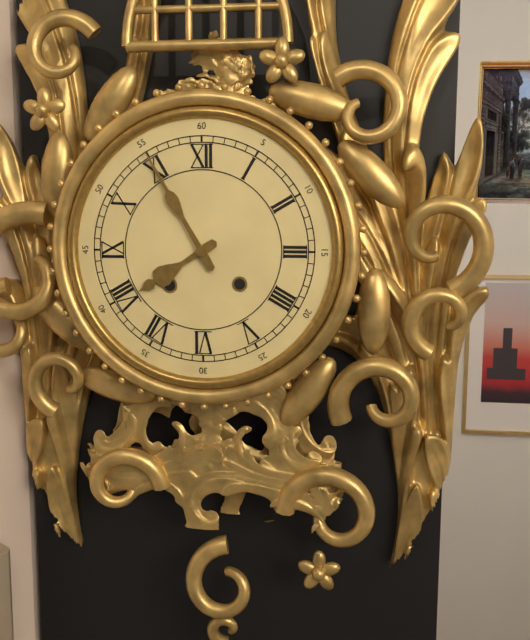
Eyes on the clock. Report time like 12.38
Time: 7.55
